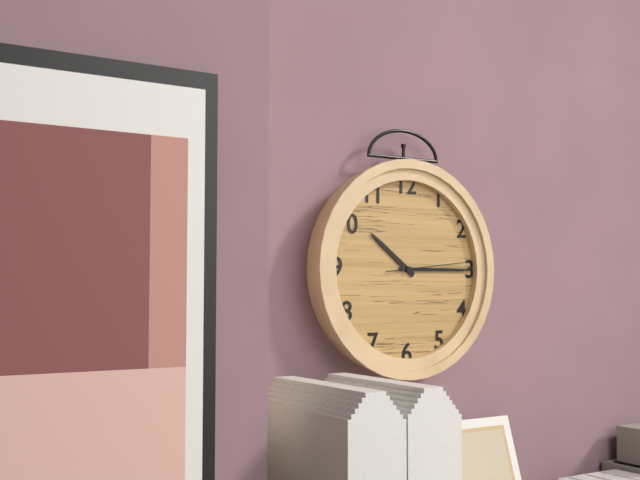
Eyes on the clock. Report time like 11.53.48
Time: 10.15.14
